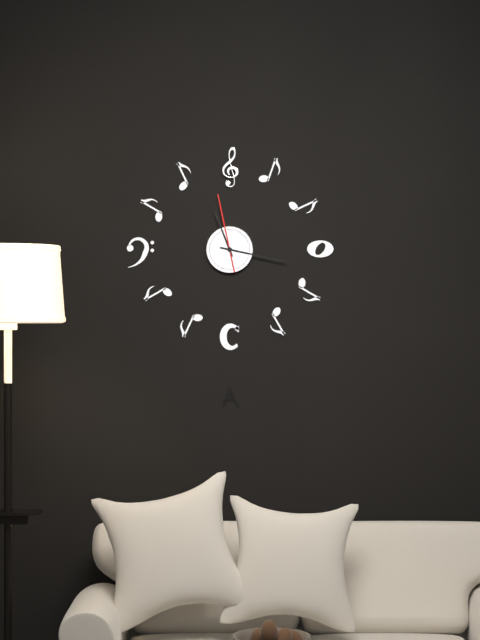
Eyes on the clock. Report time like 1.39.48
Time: 11.17.58
